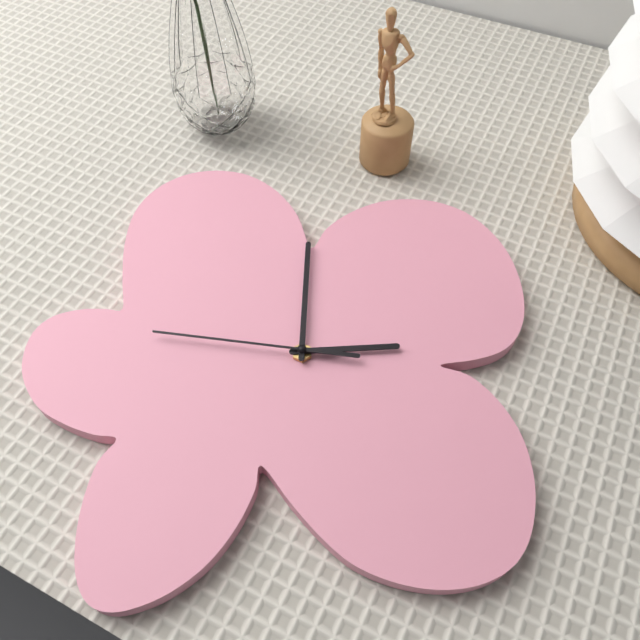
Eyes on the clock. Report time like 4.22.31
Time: 3.01.47
